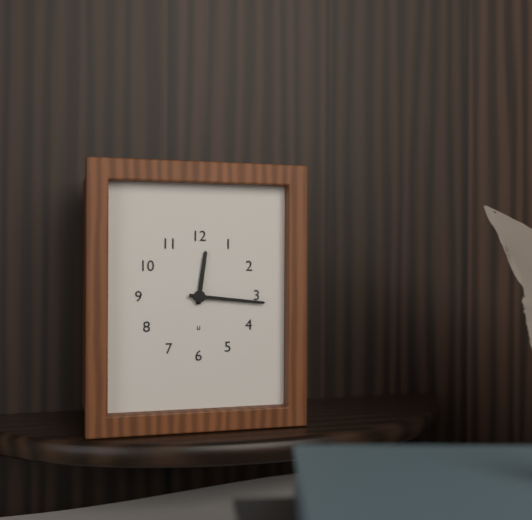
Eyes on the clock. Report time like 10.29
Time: 12.16
